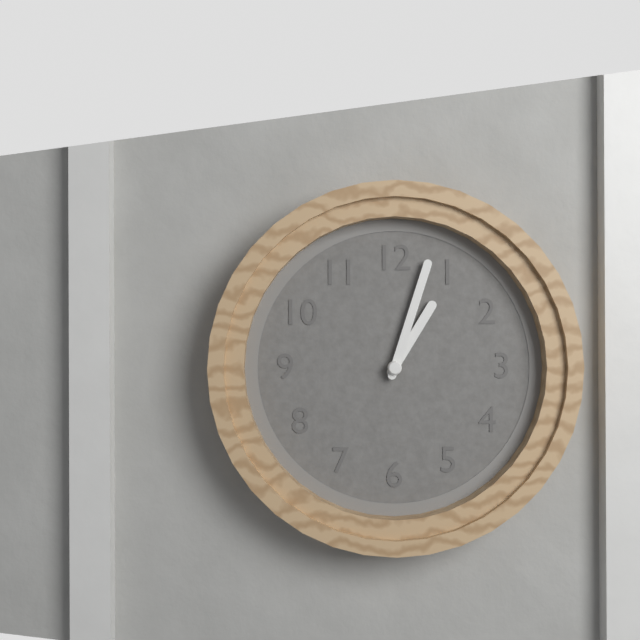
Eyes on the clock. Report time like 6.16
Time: 1.03
